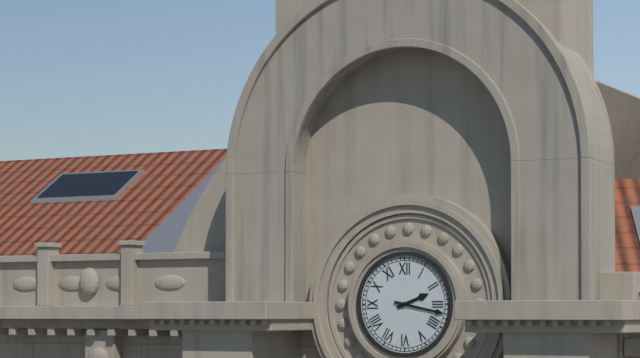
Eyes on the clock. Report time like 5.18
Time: 2.17
